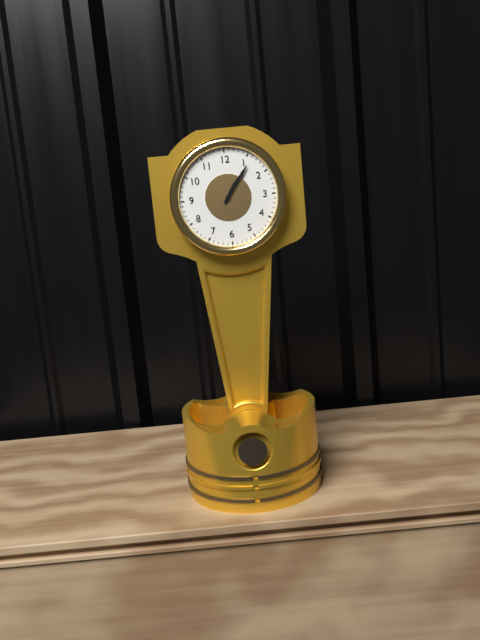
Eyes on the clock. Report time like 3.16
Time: 1.06
